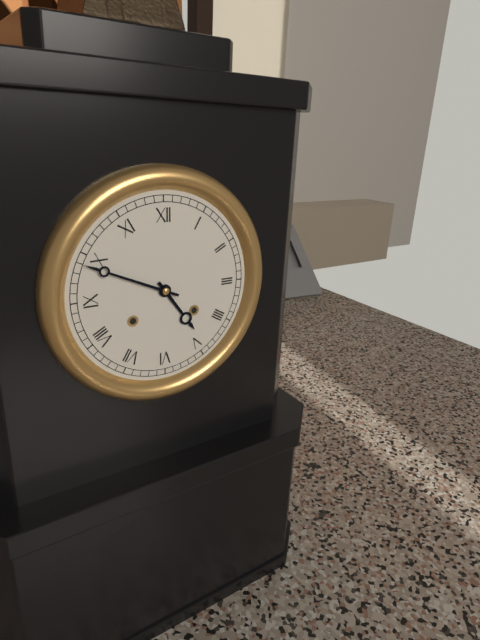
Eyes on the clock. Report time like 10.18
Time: 4.49
